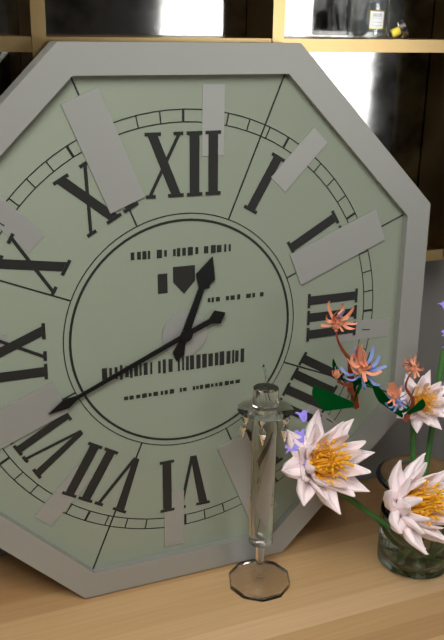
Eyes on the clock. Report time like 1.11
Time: 12.41
